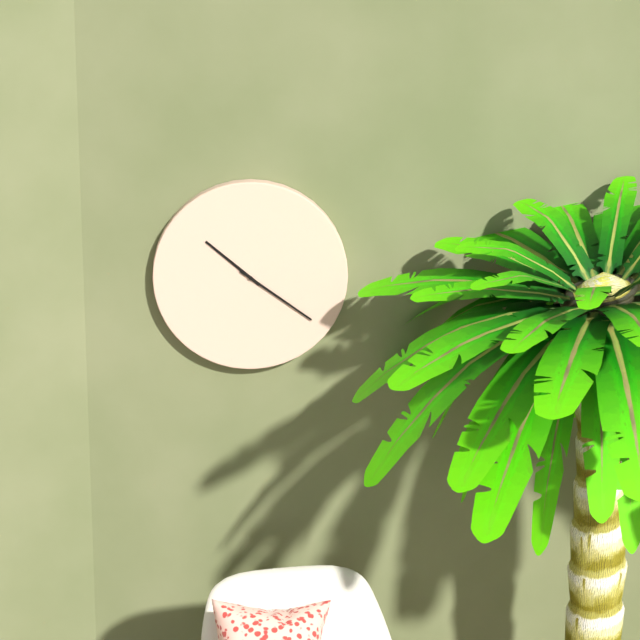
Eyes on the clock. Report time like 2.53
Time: 10.21
